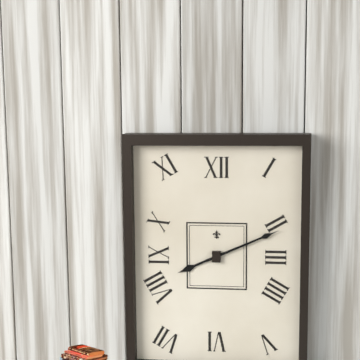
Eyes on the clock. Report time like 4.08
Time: 8.11
